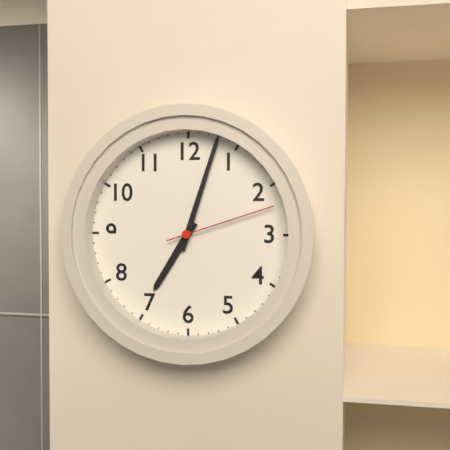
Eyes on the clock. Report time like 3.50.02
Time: 7.03.12
